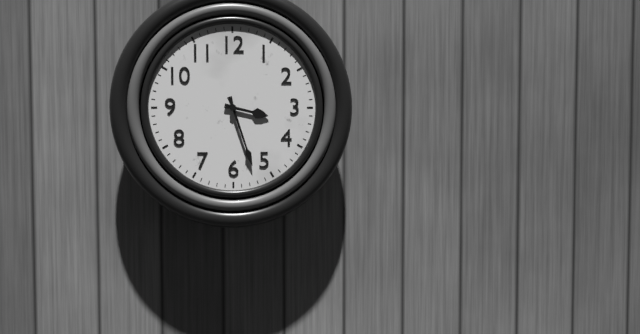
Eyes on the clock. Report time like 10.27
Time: 3.27
